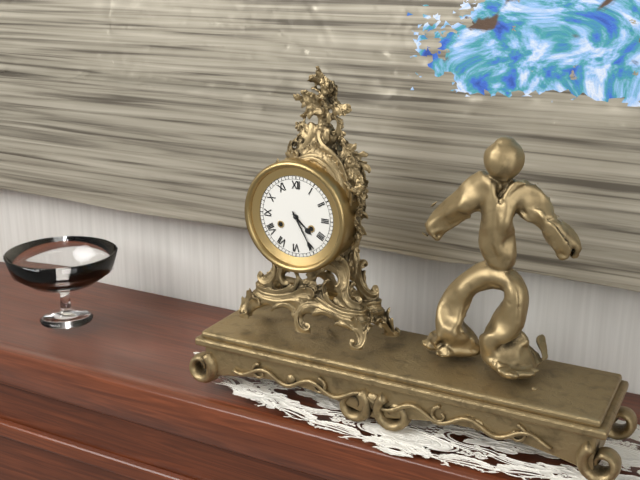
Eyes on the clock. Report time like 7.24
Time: 4.25
